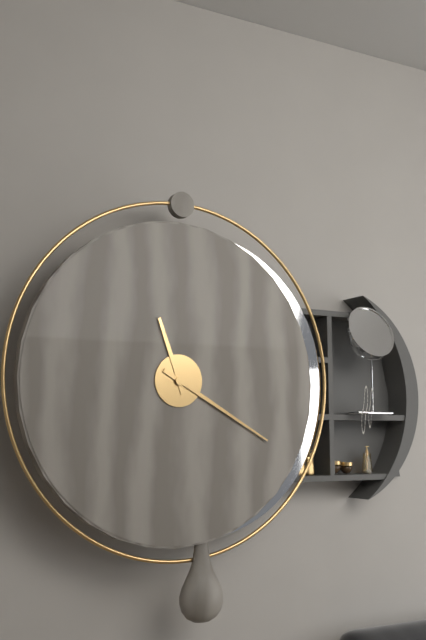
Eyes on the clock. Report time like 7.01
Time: 11.20
